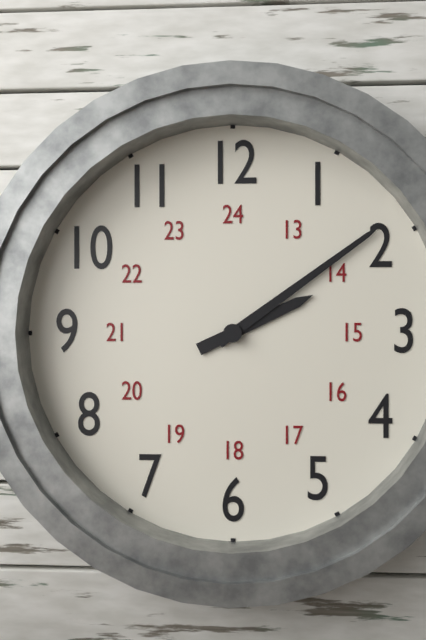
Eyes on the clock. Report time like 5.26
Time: 2.09
